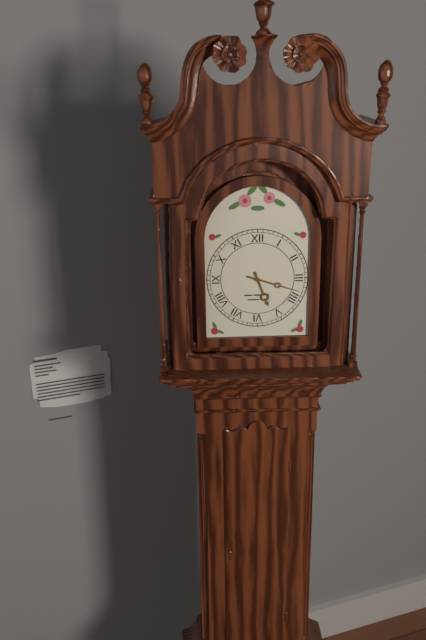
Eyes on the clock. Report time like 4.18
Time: 5.18
